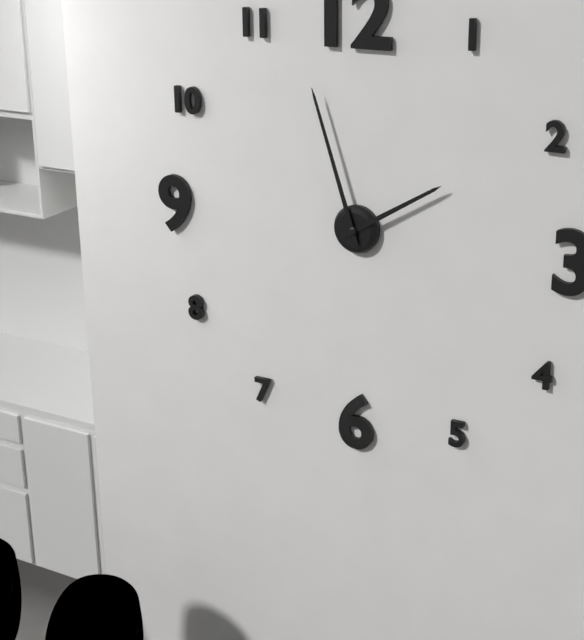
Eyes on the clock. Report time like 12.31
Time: 1.57
